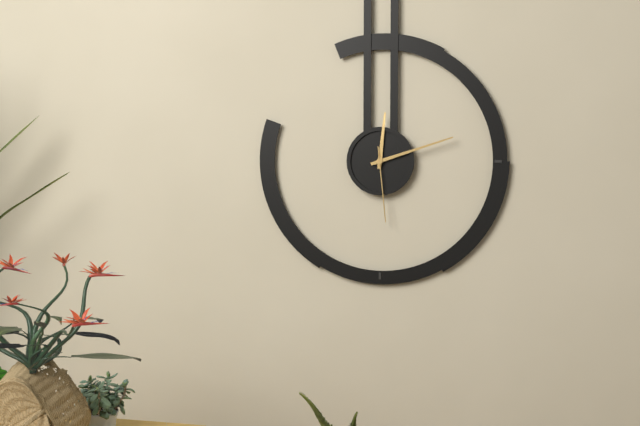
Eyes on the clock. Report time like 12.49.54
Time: 12.12.29
